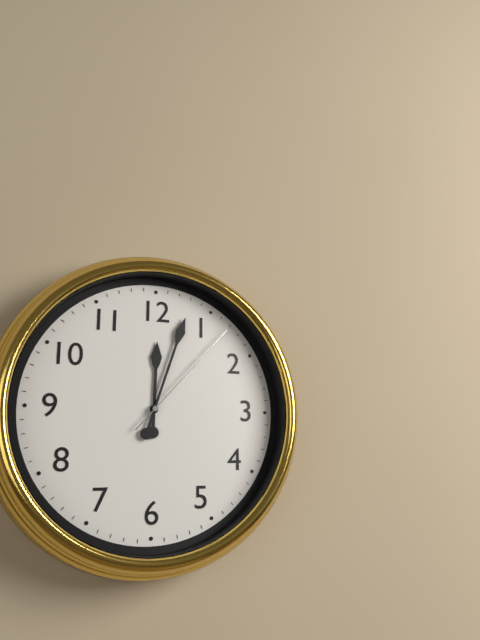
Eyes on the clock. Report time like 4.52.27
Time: 12.03.07
